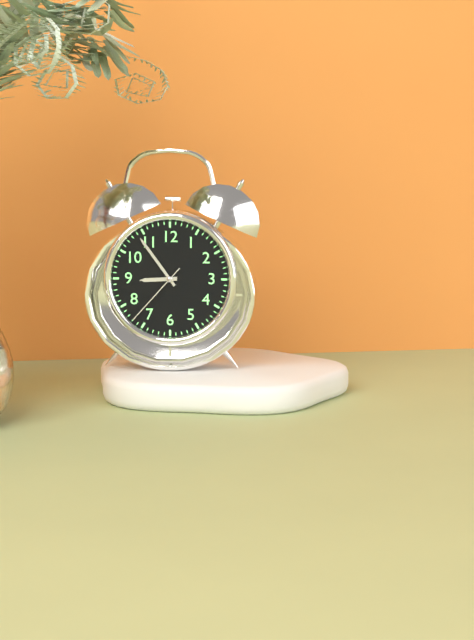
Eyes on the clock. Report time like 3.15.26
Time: 8.54.37
